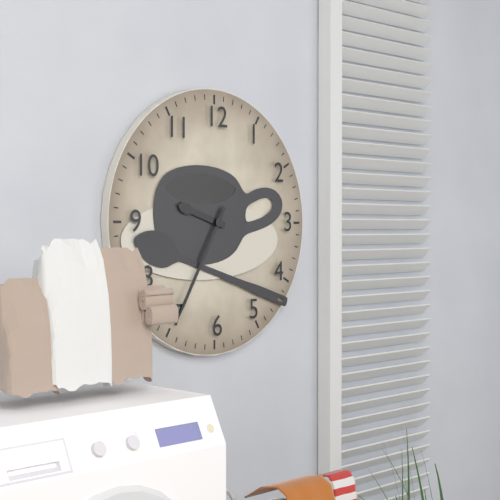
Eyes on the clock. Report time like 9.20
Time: 9.35
